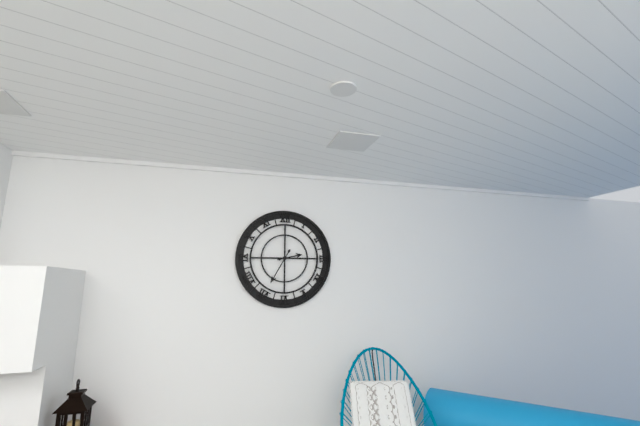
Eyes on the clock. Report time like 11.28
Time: 2.35
